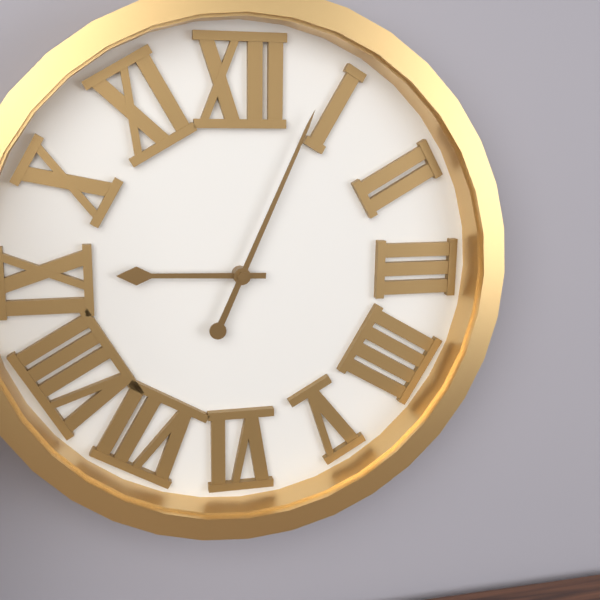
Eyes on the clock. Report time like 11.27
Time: 9.04
